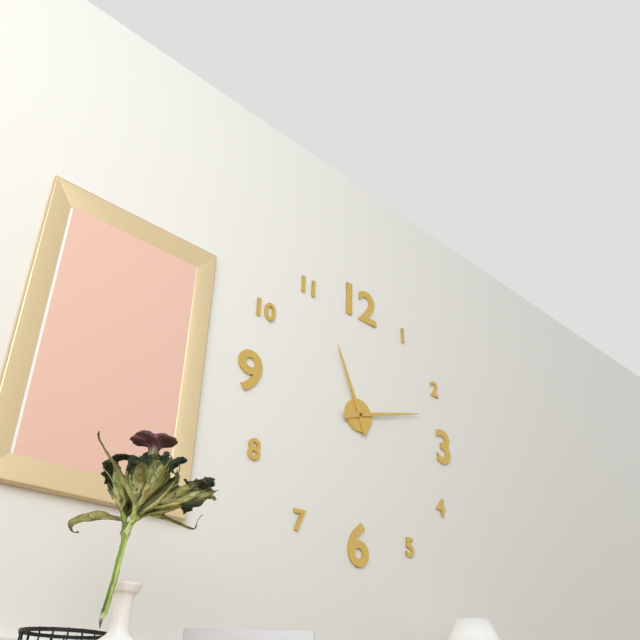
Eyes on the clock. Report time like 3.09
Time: 11.12
